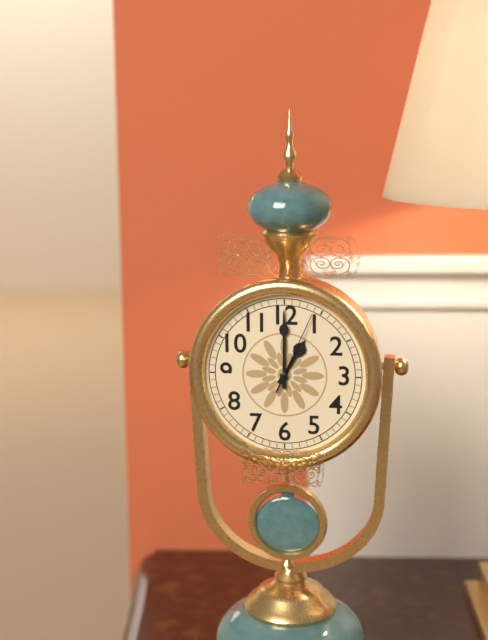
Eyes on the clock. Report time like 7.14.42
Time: 1.00.04
